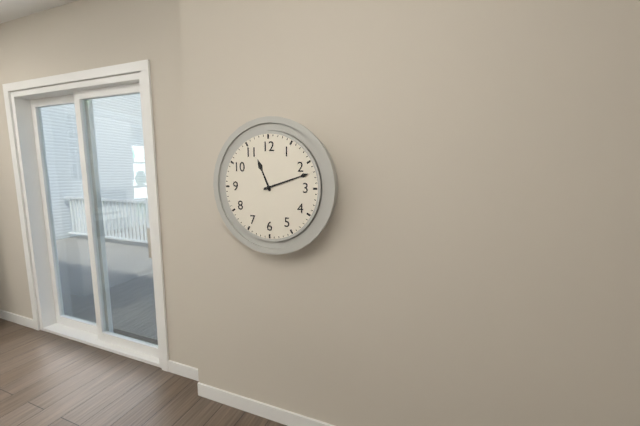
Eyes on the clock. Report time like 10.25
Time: 11.12
